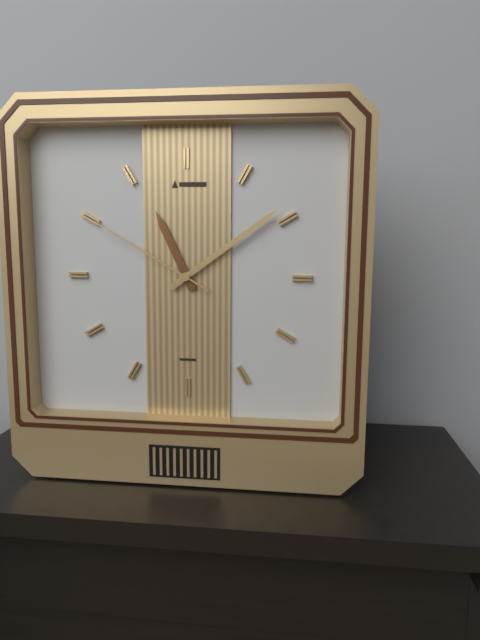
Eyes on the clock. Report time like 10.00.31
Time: 11.09.50
